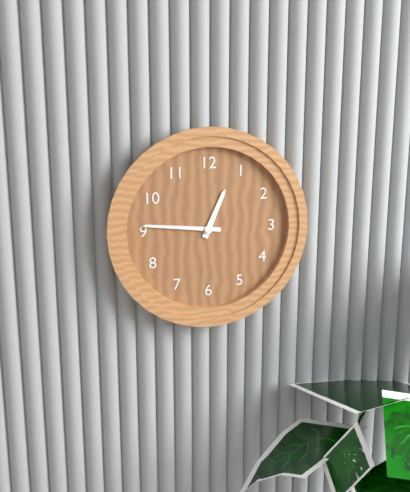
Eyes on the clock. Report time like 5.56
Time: 12.46
